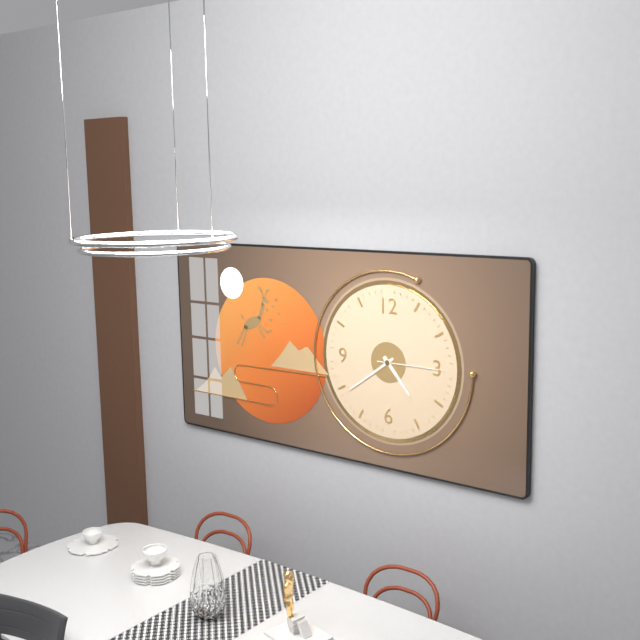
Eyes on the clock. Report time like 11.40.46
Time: 4.39.15
